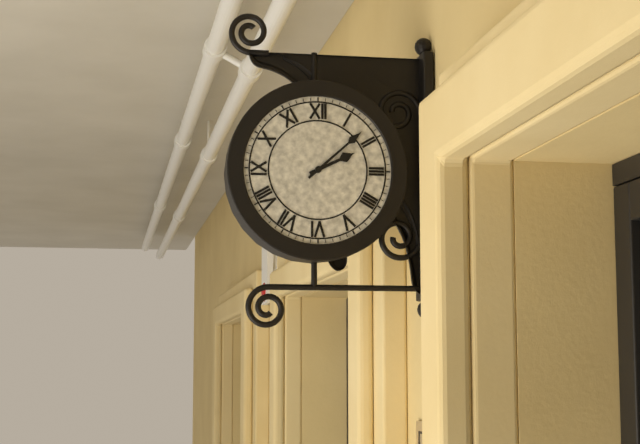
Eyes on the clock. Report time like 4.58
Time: 2.08
